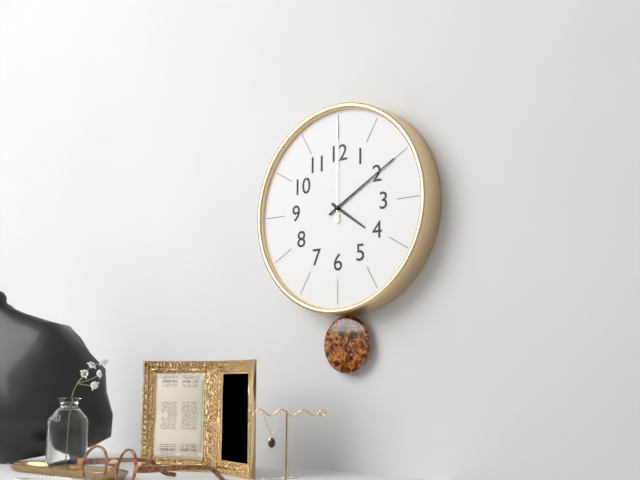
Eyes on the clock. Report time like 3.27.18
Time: 4.10.00
